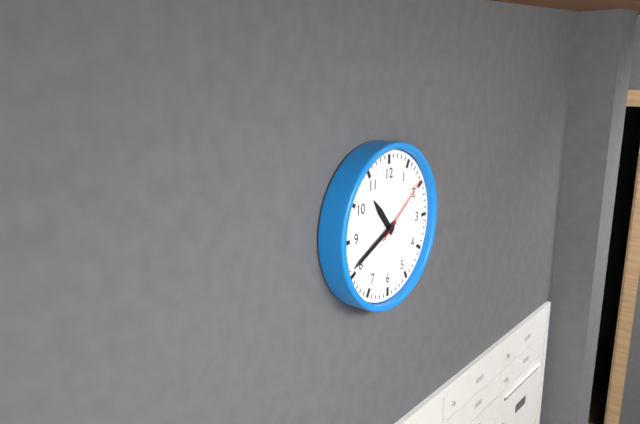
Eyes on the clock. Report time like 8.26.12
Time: 10.41.09
